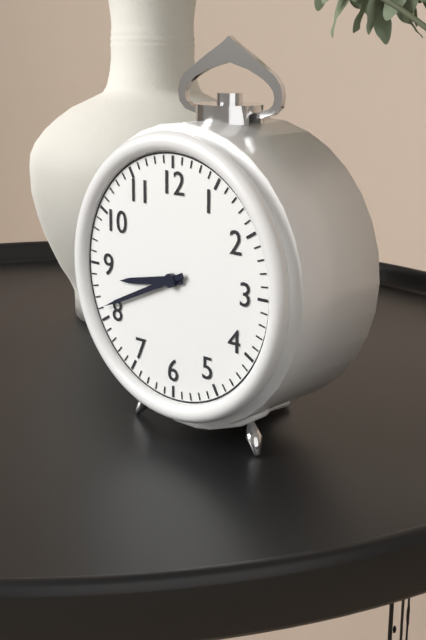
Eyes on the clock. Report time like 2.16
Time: 8.41
